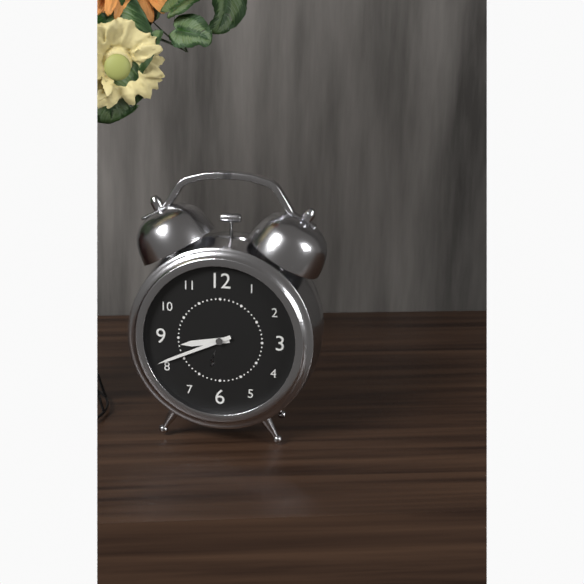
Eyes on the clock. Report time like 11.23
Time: 8.41
